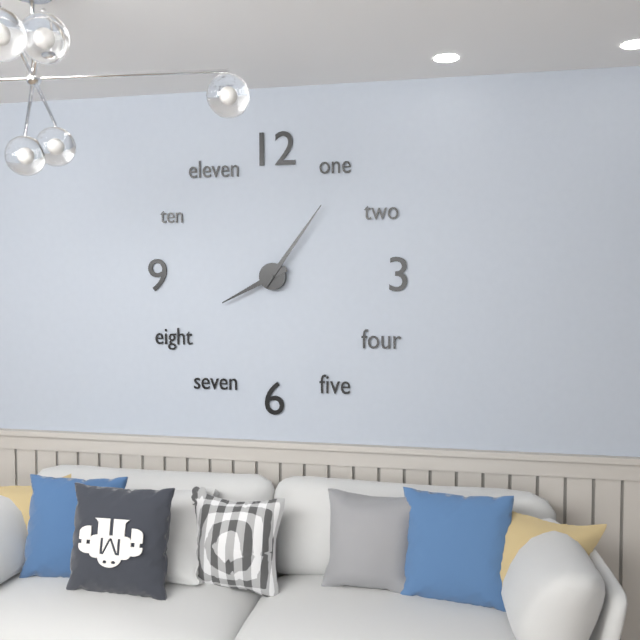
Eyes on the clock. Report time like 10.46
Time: 8.06
